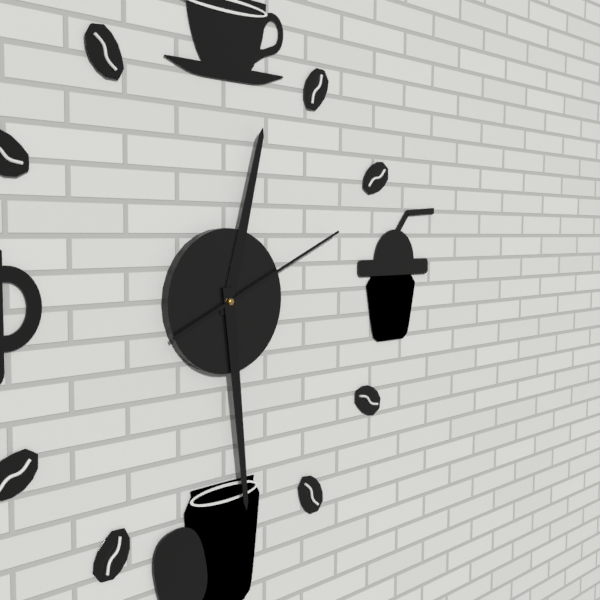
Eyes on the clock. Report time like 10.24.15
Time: 12.29.11
